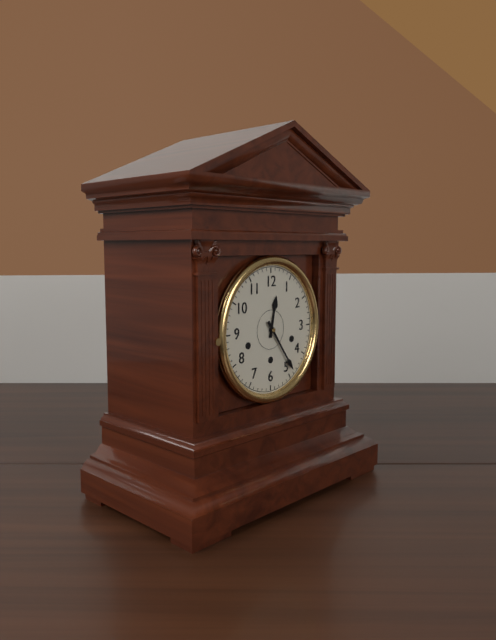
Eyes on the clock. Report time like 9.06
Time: 12.24
